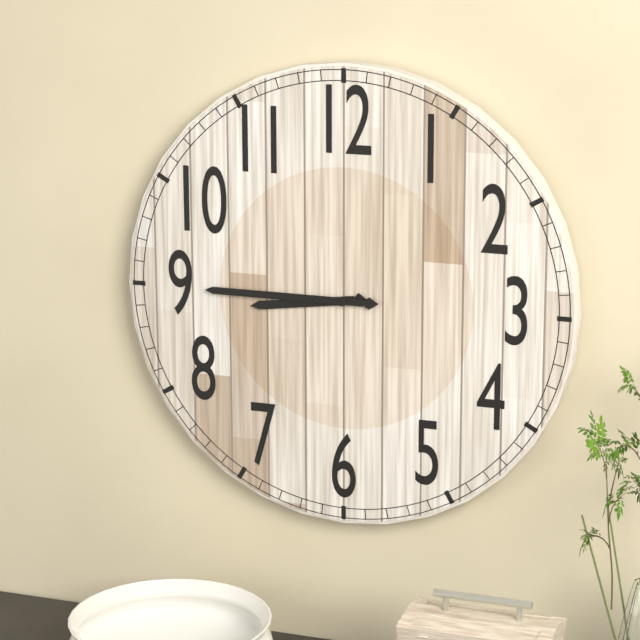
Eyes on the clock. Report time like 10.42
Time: 8.45
